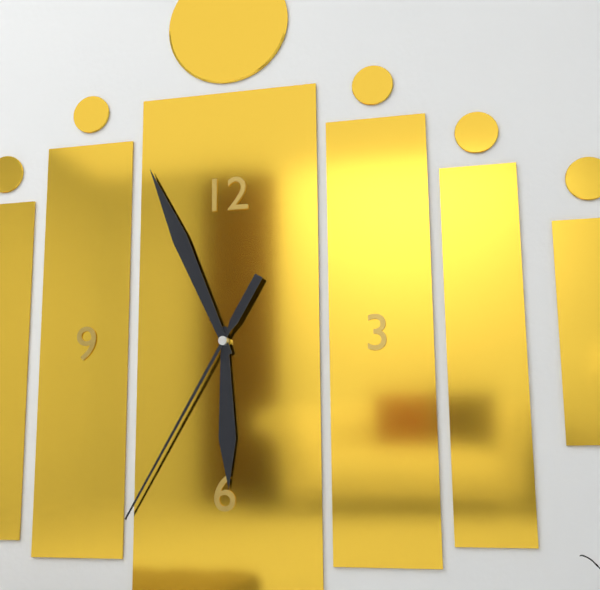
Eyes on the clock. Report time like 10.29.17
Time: 5.56.35
